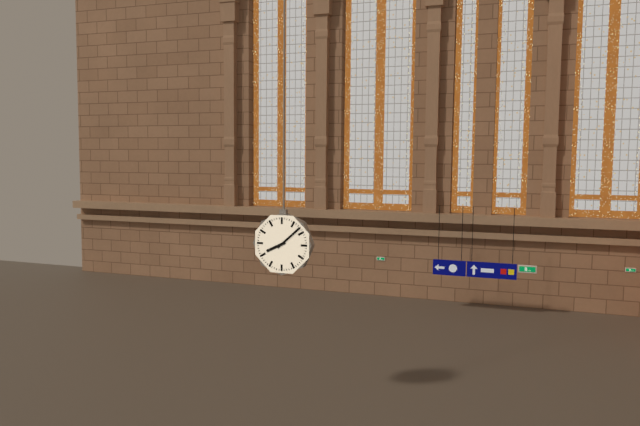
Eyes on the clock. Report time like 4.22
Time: 8.08
